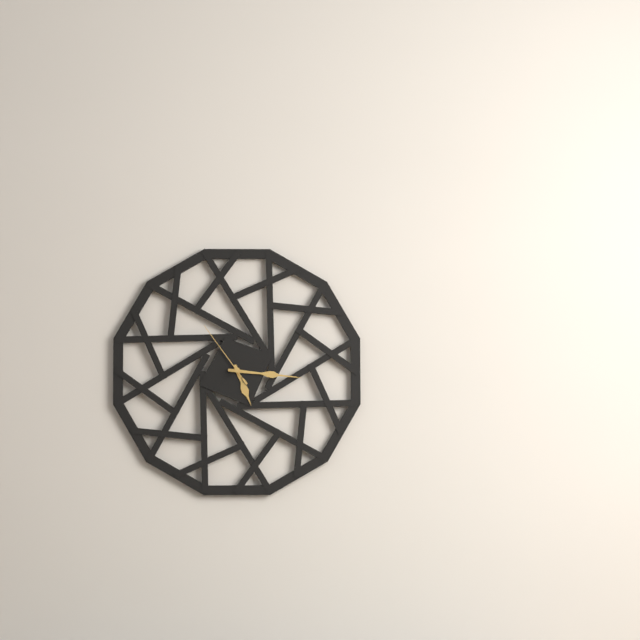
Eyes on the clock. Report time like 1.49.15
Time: 5.16.54
